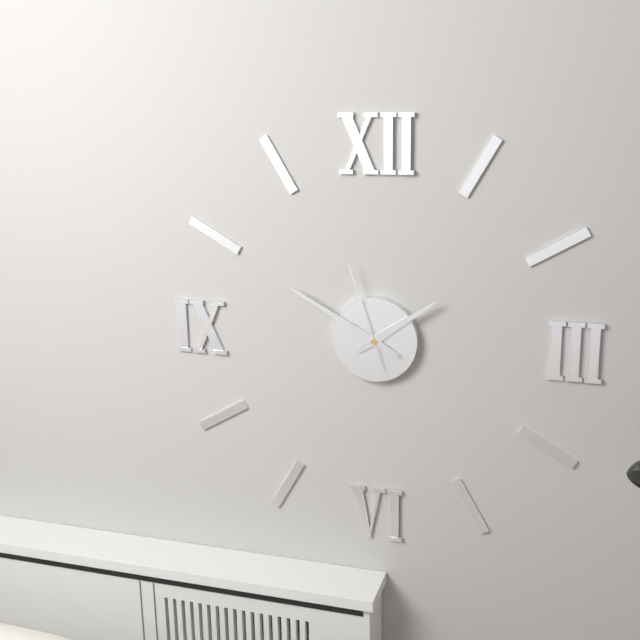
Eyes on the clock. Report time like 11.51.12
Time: 1.50.57
